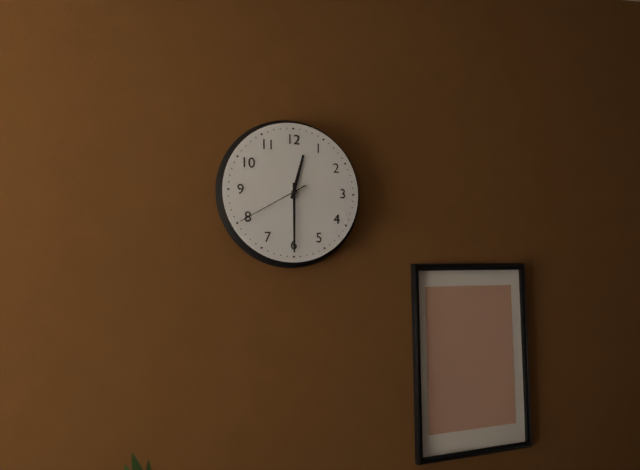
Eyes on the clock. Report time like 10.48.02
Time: 12.30.40
